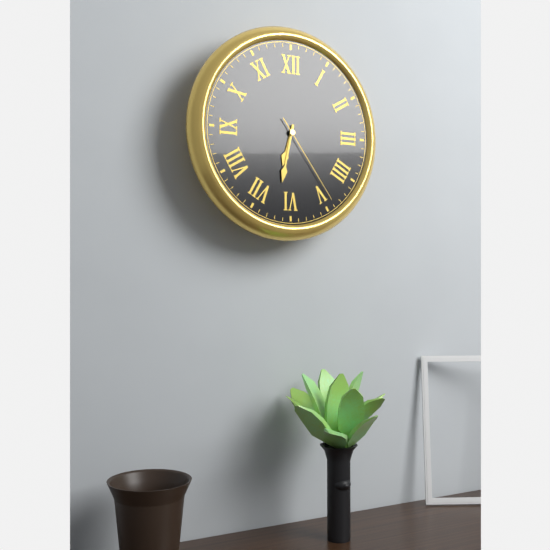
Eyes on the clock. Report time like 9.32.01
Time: 6.32.24
